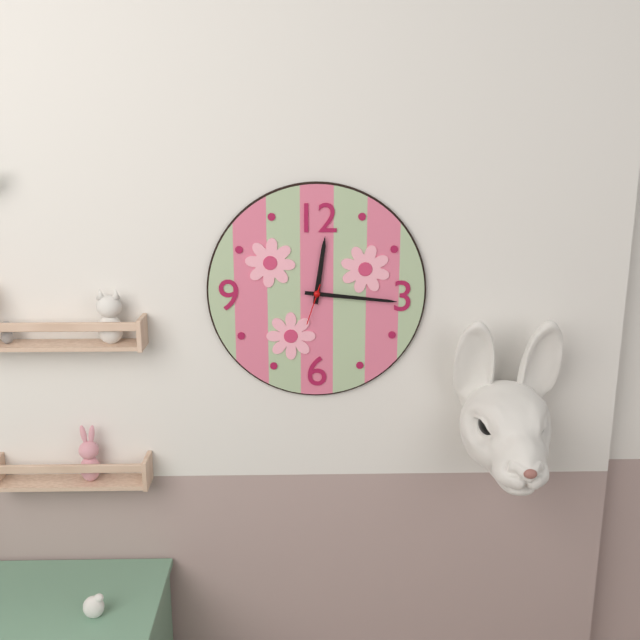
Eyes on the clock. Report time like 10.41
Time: 12.16
